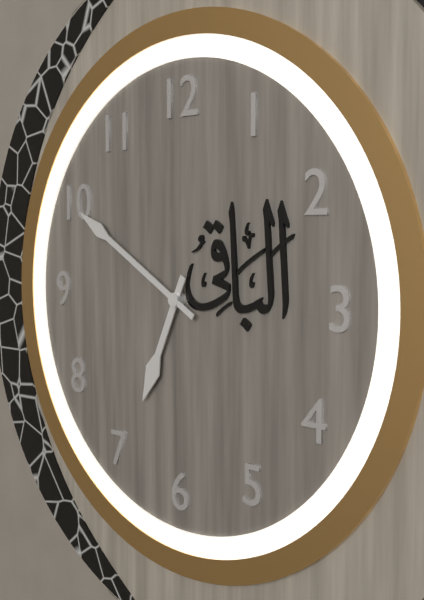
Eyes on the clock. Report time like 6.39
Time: 6.50
